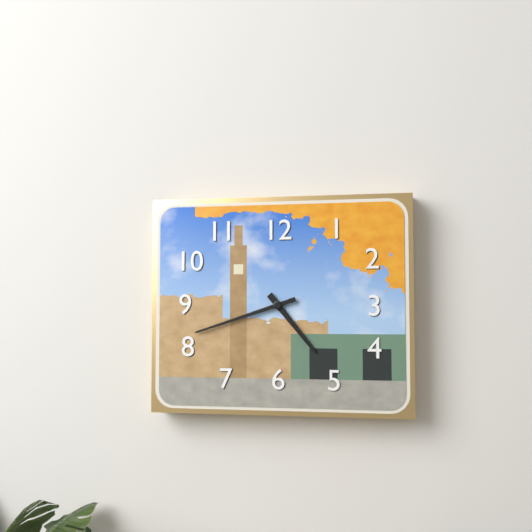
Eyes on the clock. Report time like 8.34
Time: 4.42
